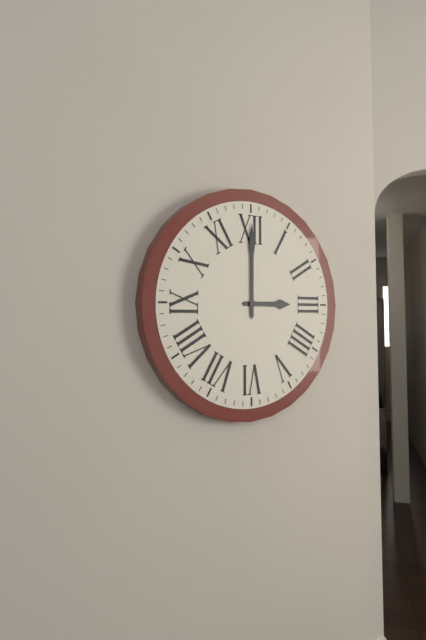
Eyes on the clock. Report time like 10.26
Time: 3.00
